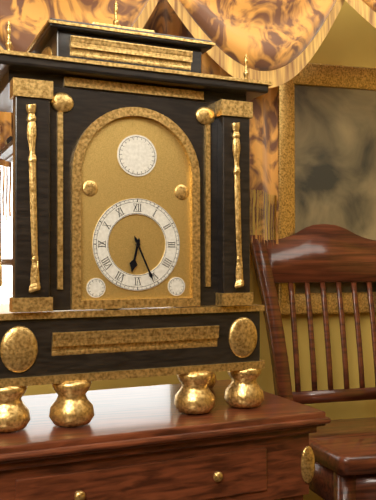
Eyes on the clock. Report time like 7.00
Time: 6.26
